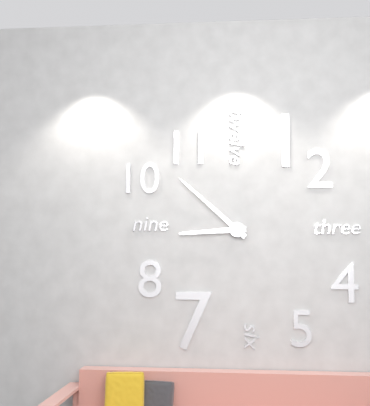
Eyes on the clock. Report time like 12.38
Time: 8.52
